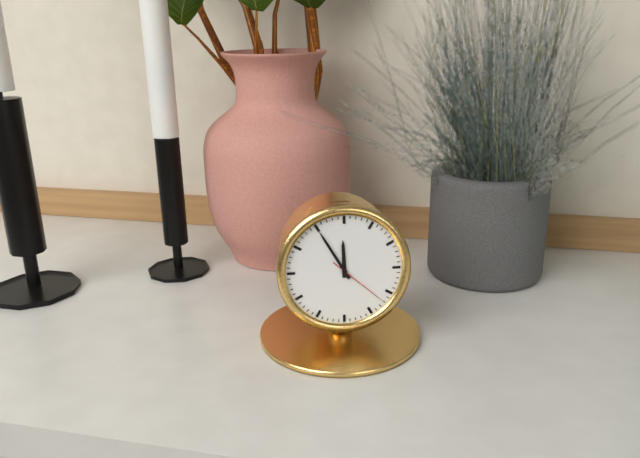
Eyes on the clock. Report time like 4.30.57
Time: 11.55.22
